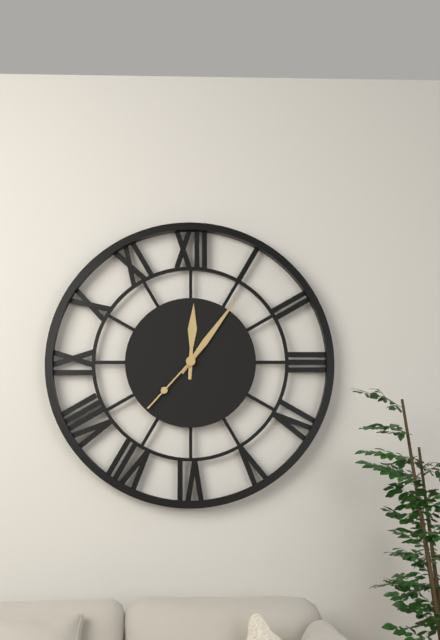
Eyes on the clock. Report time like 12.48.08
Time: 12.06.37
